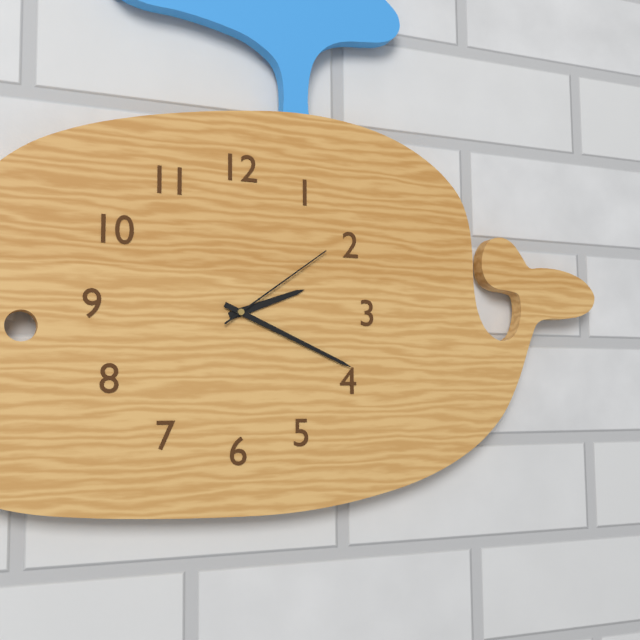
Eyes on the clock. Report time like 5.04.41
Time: 2.19.09
